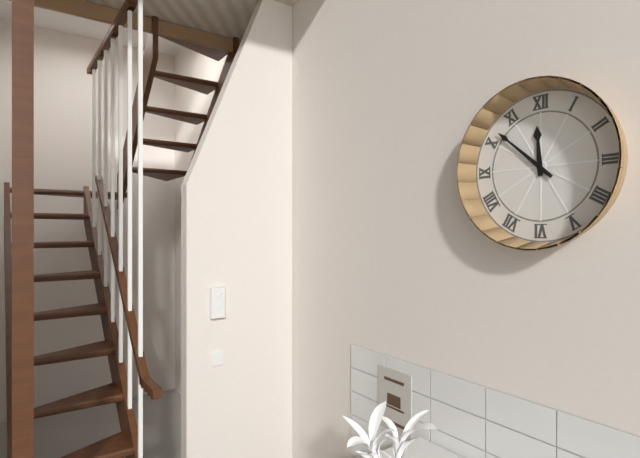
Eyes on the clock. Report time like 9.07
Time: 11.52
